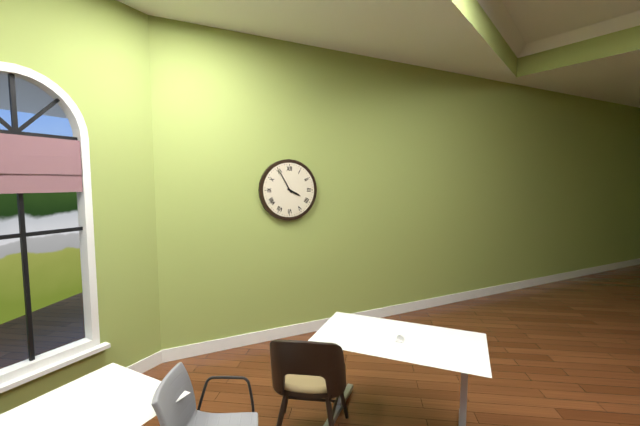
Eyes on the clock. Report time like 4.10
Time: 3.55
